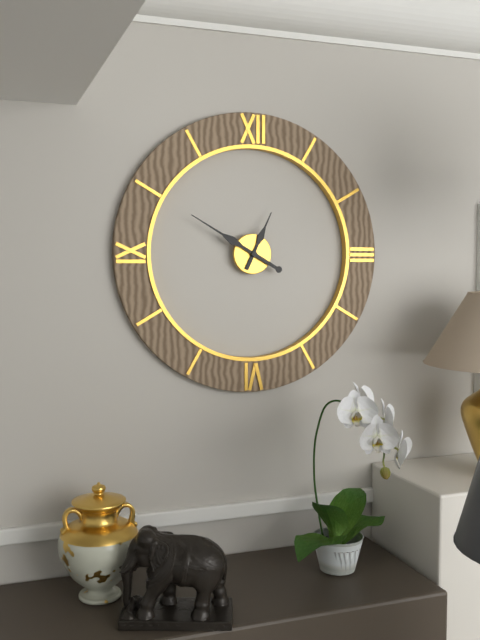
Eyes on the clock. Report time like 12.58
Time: 12.50
